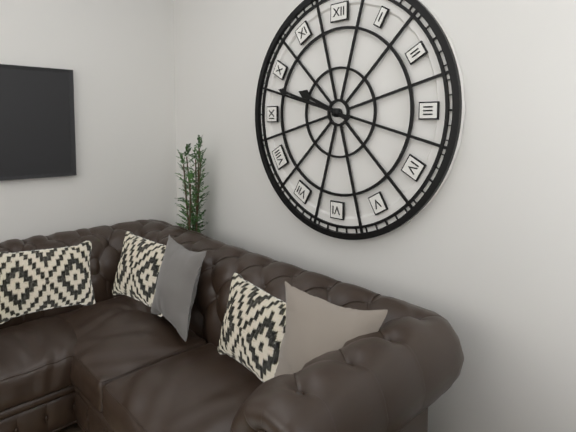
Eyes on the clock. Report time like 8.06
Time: 9.48
